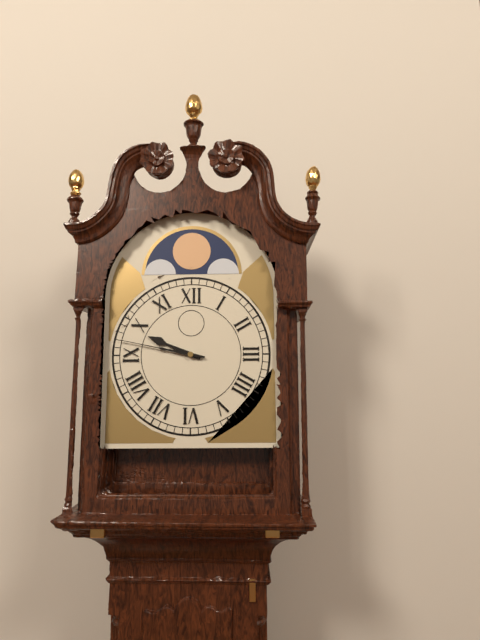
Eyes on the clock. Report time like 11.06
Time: 9.47
